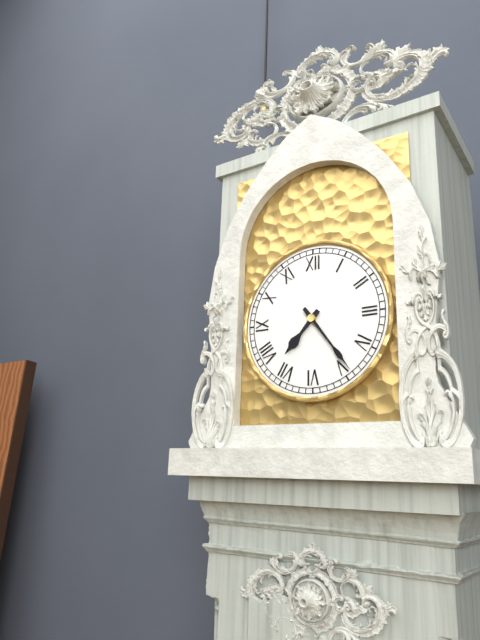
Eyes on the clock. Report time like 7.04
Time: 7.24
